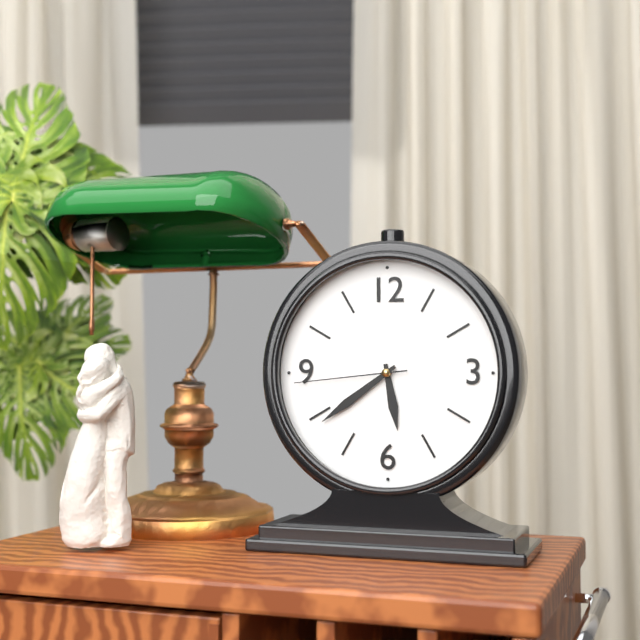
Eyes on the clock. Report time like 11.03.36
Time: 5.39.44
